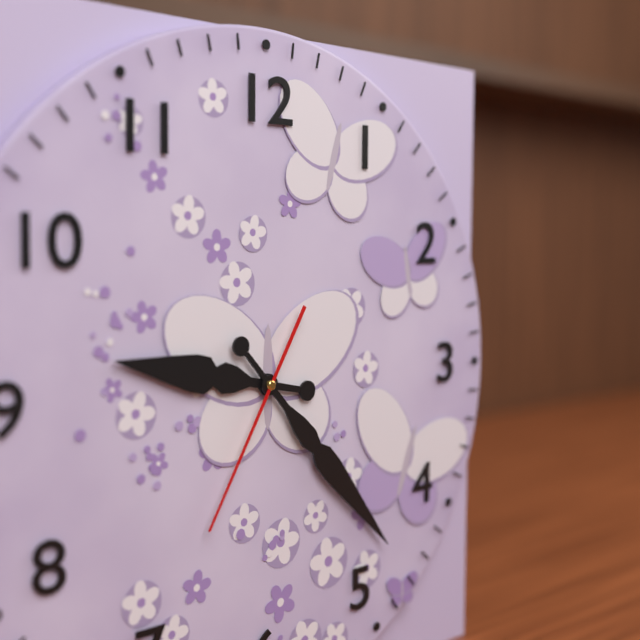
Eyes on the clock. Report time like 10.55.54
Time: 9.23.35
